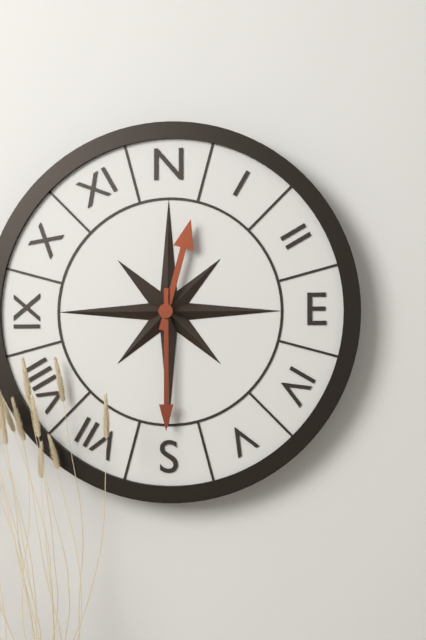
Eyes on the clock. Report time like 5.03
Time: 12.30
